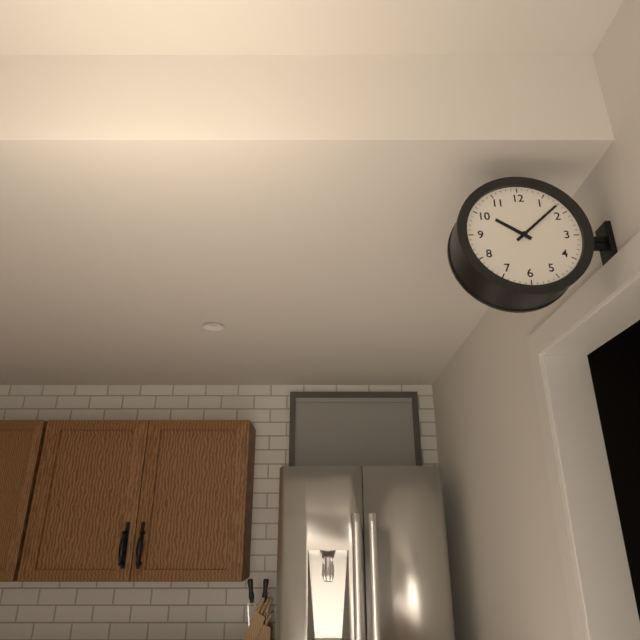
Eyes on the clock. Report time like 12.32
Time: 10.08
